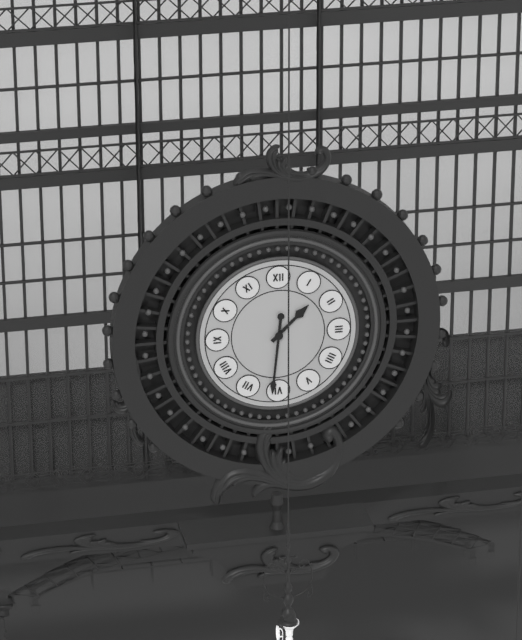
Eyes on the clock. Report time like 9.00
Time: 1.31
